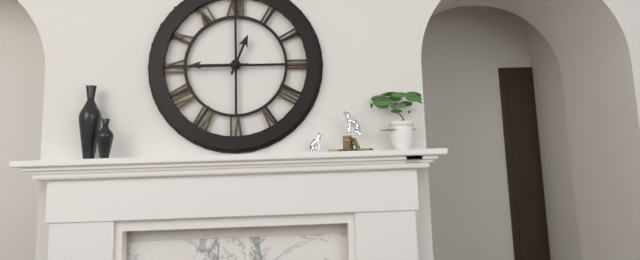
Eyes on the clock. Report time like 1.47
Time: 12.45
